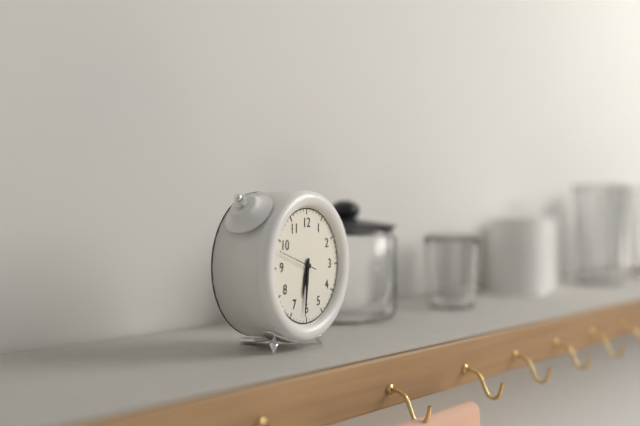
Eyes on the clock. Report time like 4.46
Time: 6.31
